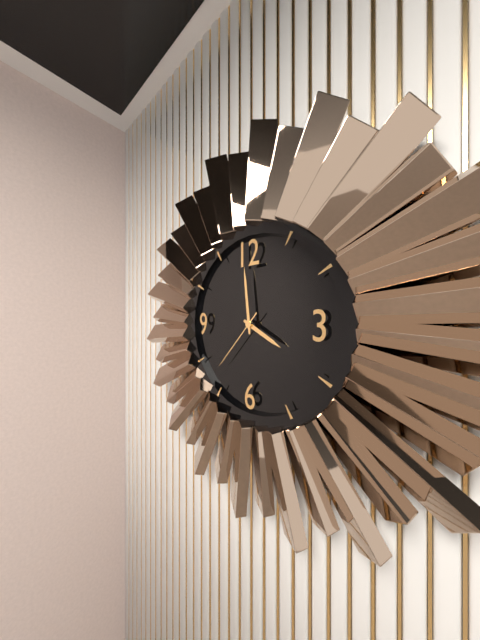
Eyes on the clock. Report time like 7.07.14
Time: 3.59.37
